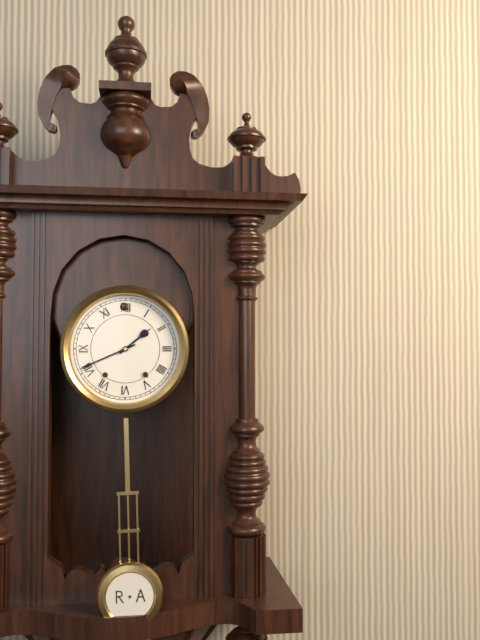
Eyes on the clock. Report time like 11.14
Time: 1.41
